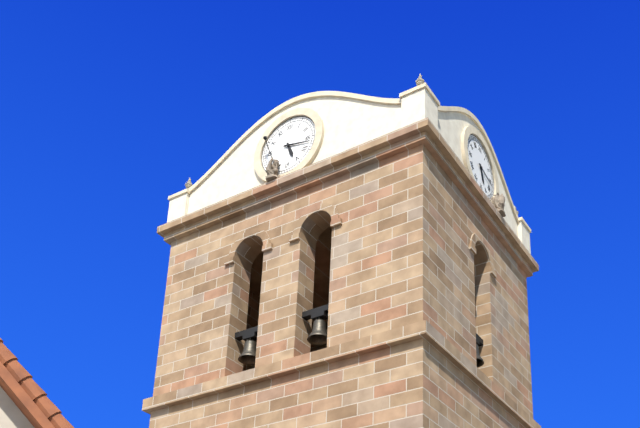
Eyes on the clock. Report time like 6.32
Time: 5.17
